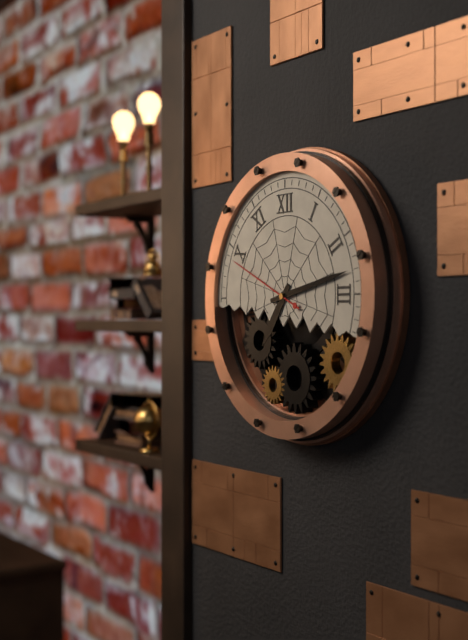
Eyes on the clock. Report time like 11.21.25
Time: 7.13.49
